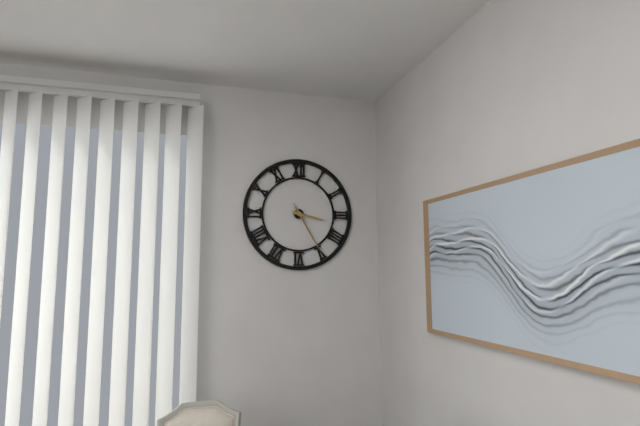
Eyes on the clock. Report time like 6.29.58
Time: 3.25.25
